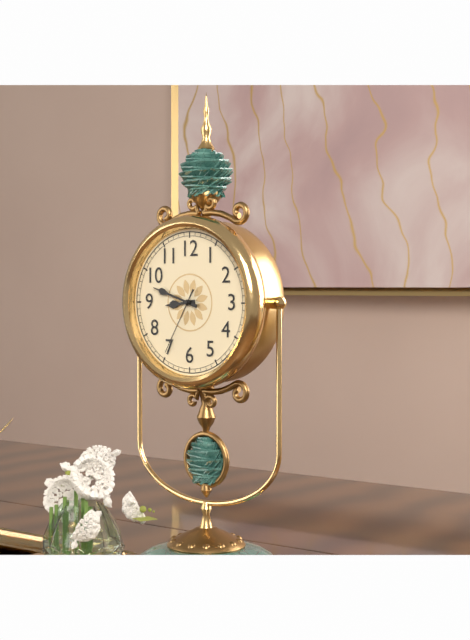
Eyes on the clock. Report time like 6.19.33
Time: 8.48.35
